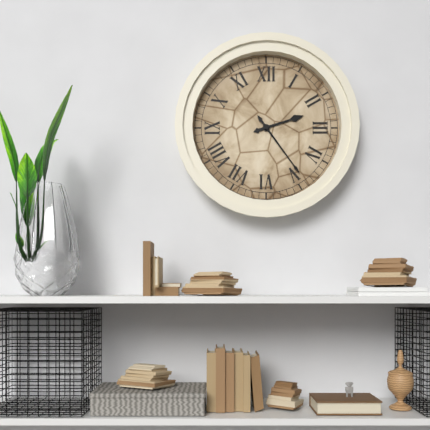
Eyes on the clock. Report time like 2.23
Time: 2.24
